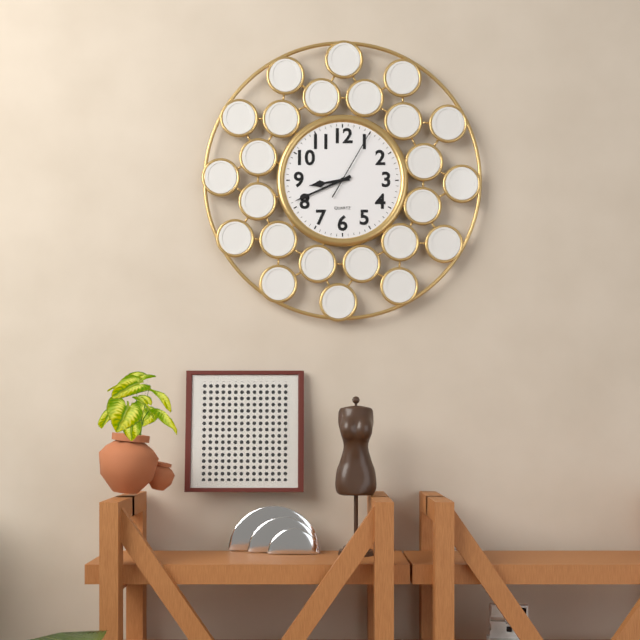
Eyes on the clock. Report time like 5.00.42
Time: 8.41.05
